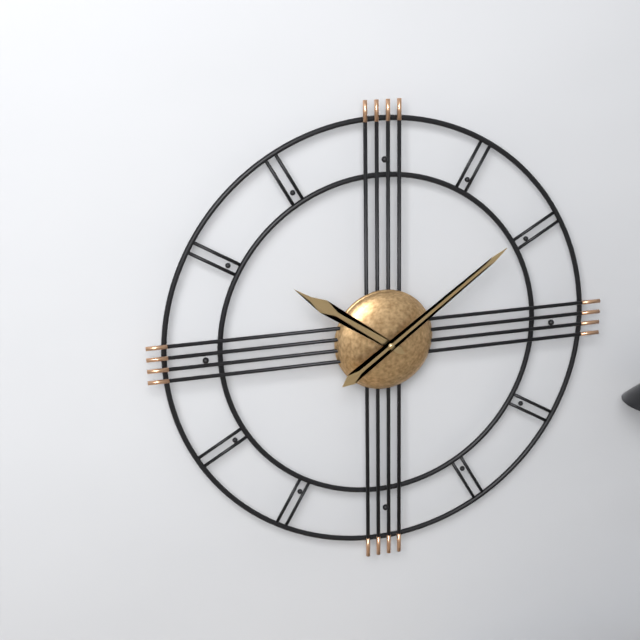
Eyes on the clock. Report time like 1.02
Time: 10.09
